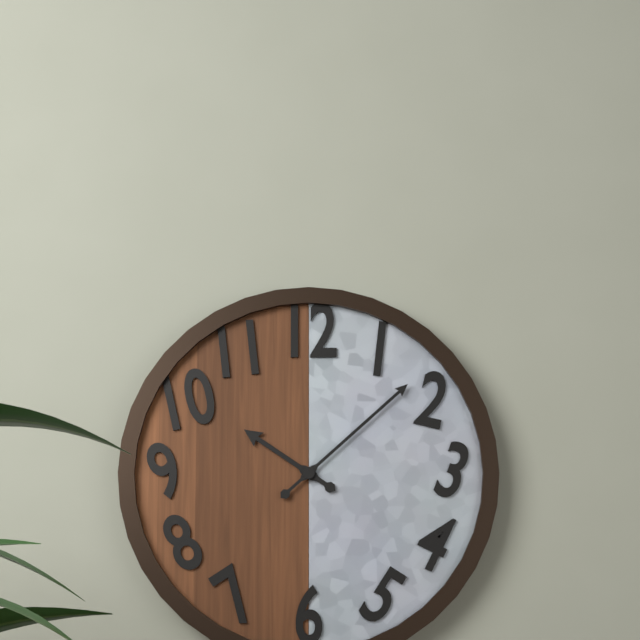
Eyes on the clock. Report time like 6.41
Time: 10.08
